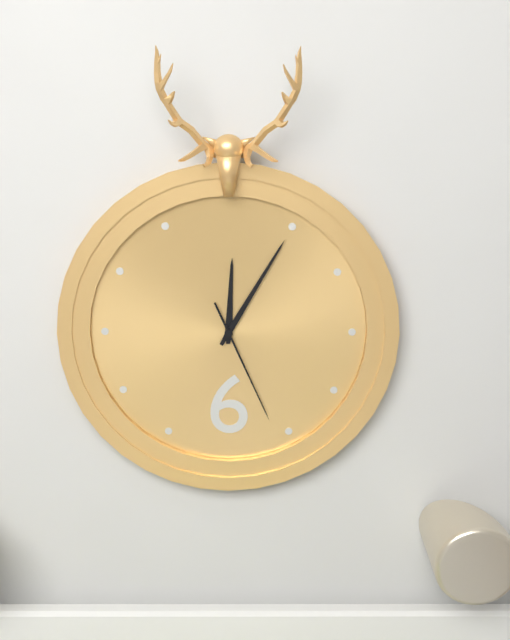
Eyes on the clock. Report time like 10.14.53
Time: 12.05.26
